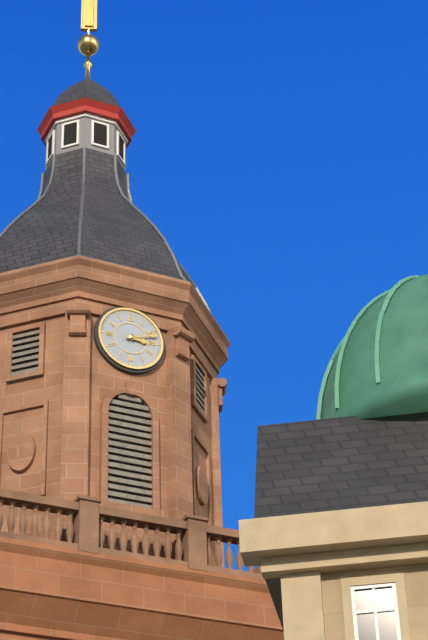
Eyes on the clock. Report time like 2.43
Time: 3.12
